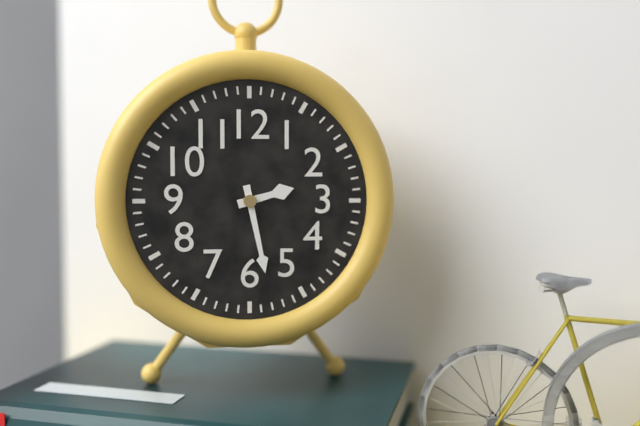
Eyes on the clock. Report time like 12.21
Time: 2.28
